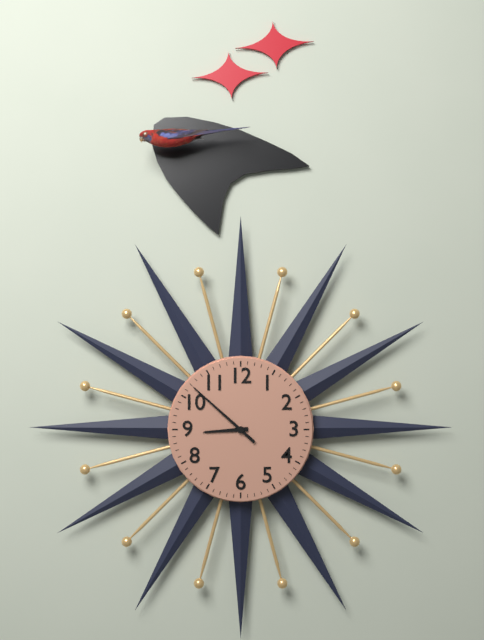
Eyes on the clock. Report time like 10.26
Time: 8.52
